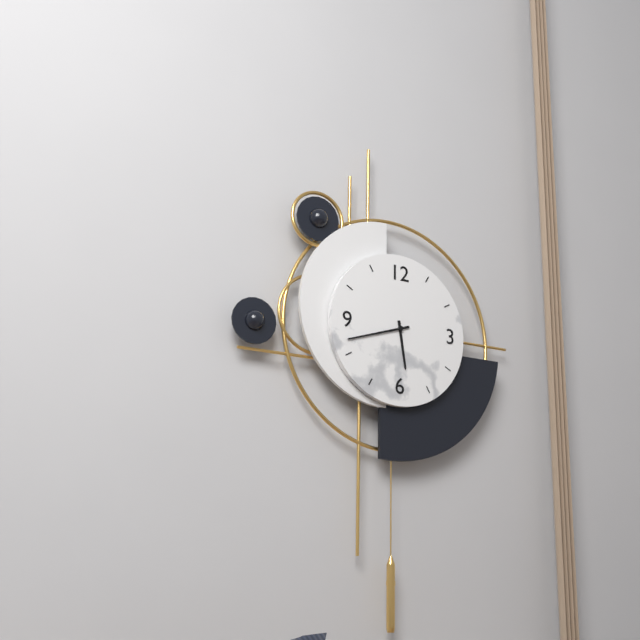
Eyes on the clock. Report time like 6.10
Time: 5.42
